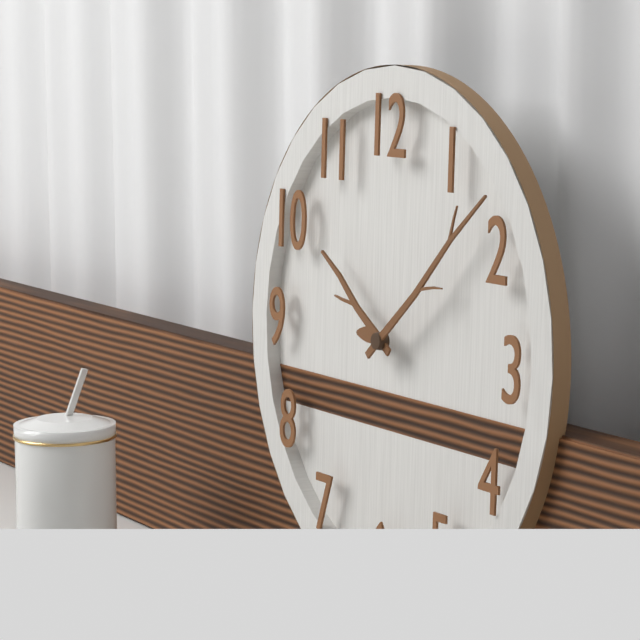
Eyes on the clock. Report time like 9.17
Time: 10.08
